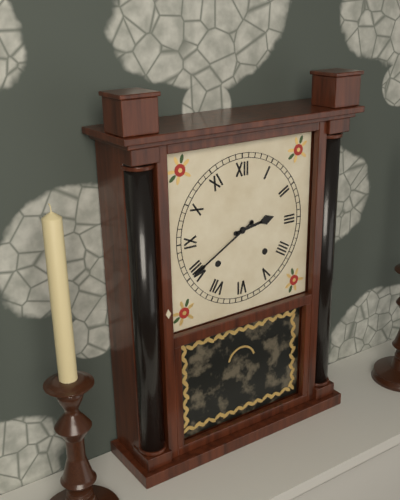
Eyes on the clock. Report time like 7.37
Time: 2.40
